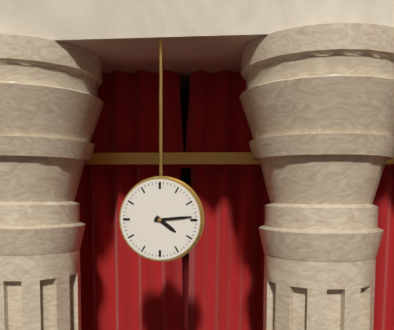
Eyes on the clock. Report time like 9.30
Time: 4.14
